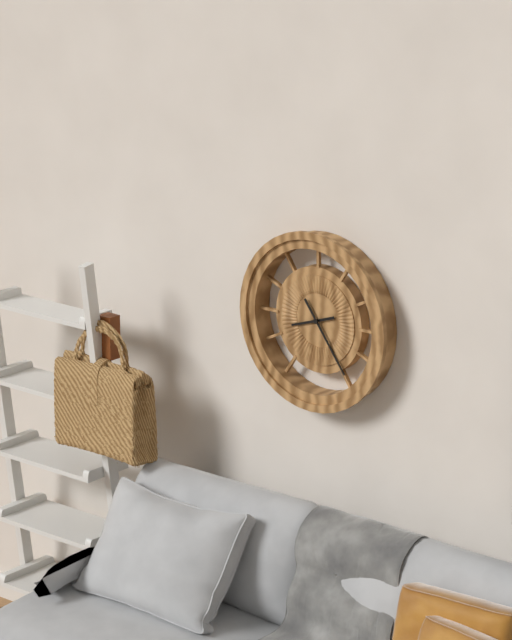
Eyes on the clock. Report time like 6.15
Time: 8.24
